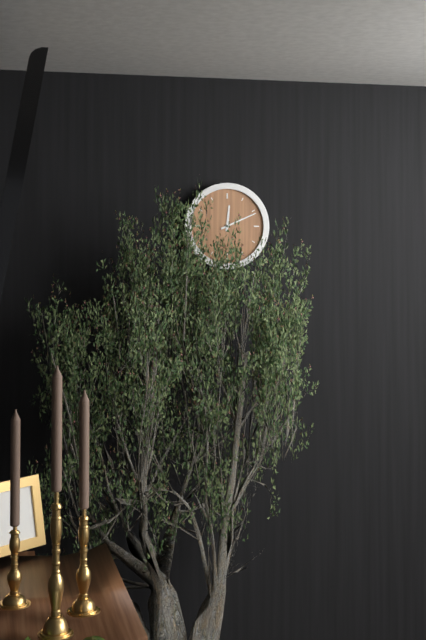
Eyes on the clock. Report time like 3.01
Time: 12.11
